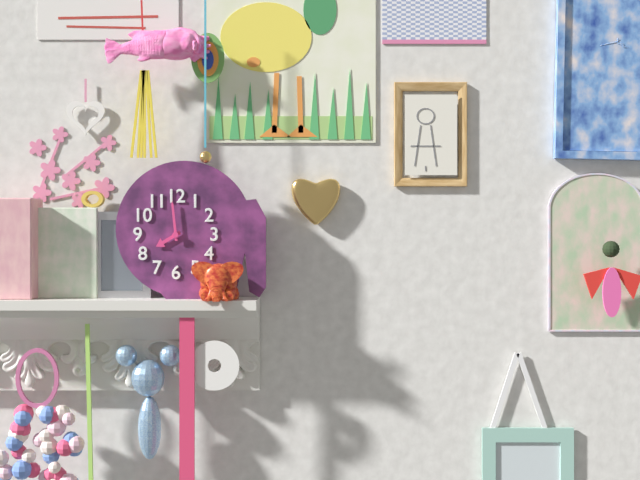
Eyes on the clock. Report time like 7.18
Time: 7.59
